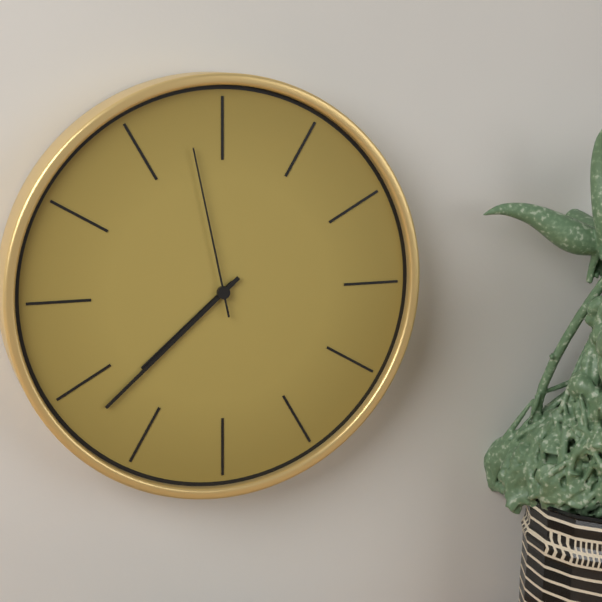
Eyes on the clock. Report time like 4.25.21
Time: 7.38.58
